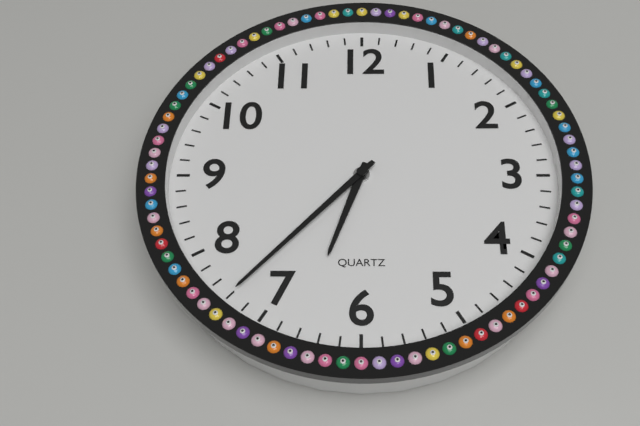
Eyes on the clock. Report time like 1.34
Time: 6.37
